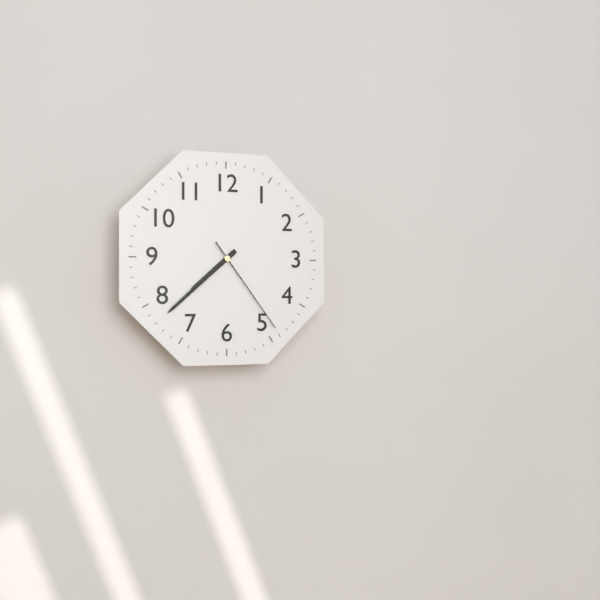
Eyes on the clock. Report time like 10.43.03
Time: 7.38.24
